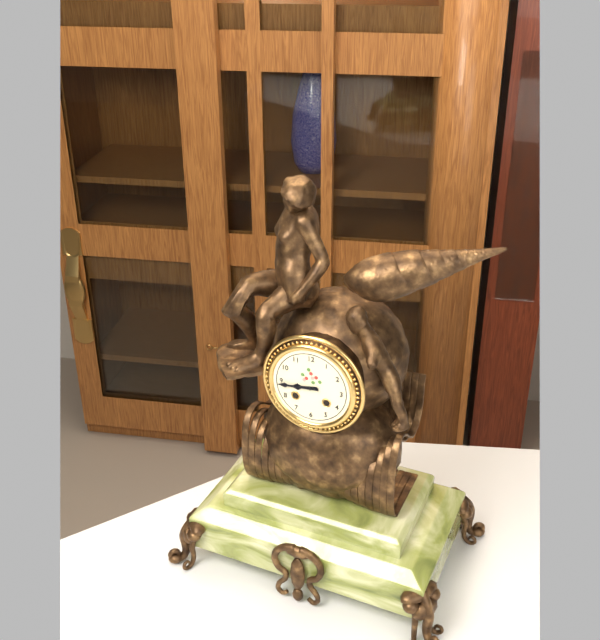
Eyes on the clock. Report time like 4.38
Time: 8.44
